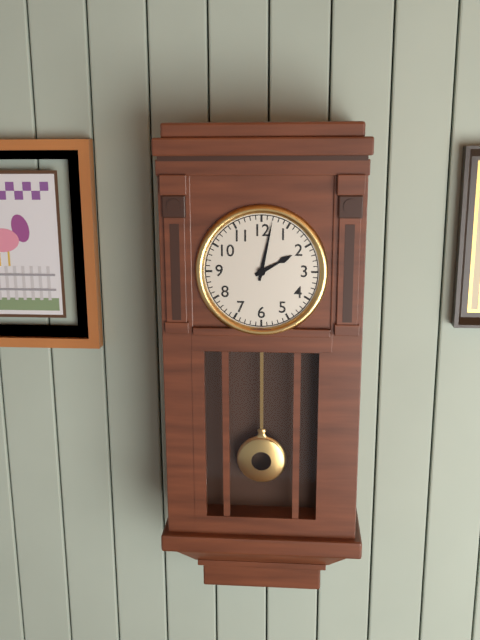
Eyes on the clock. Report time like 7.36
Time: 2.02
